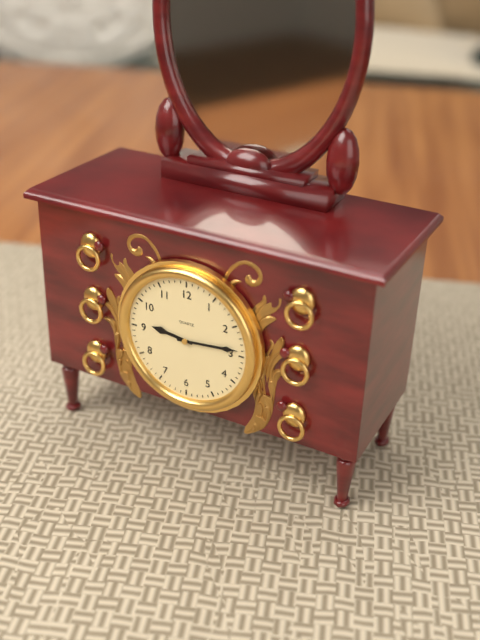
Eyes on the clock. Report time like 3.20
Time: 9.14
